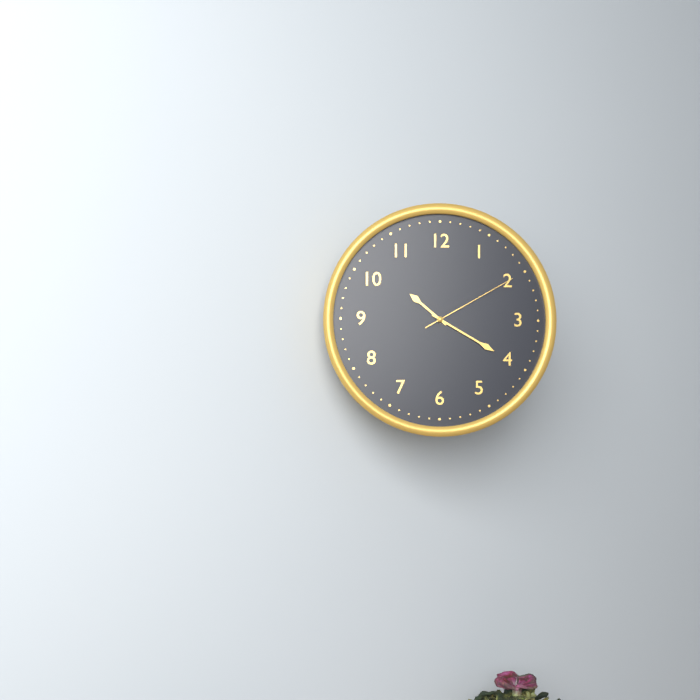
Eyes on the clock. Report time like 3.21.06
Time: 10.20.10
